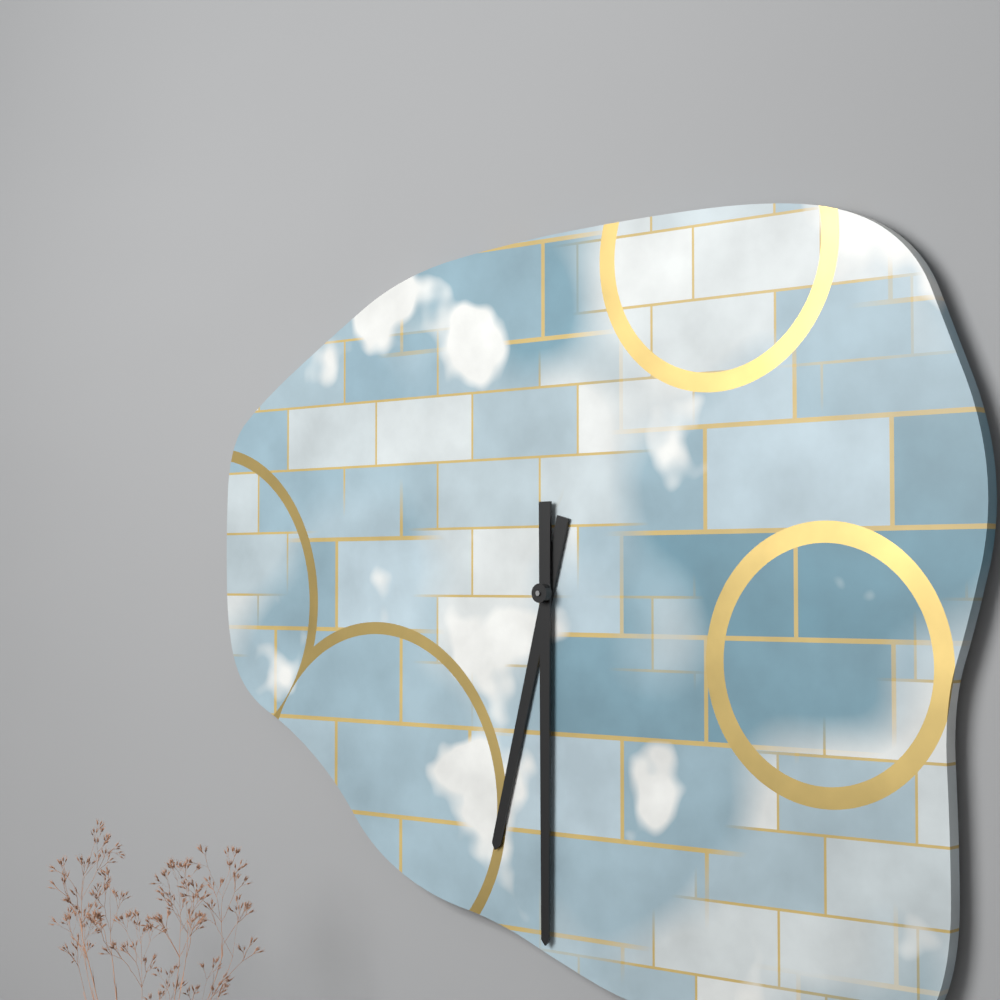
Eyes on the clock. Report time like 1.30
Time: 6.30
